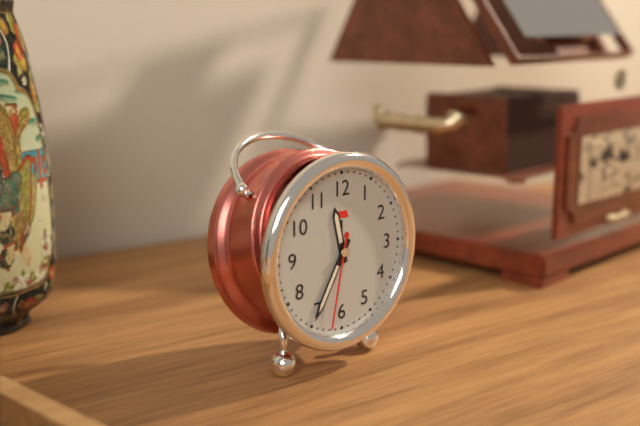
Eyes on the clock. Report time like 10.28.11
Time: 11.35.32
